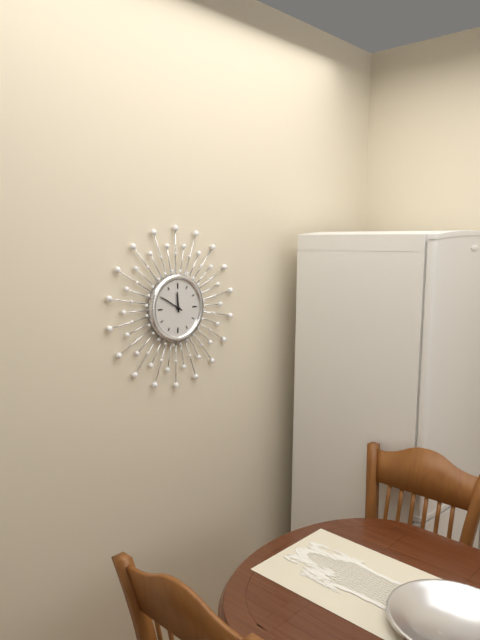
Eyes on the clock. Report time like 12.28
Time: 11.50
